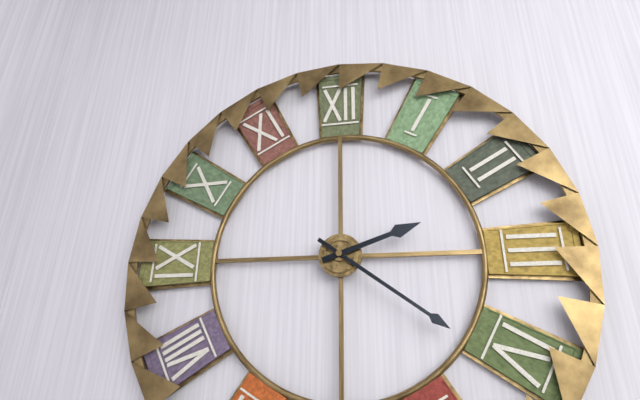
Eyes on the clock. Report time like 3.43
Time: 2.21
